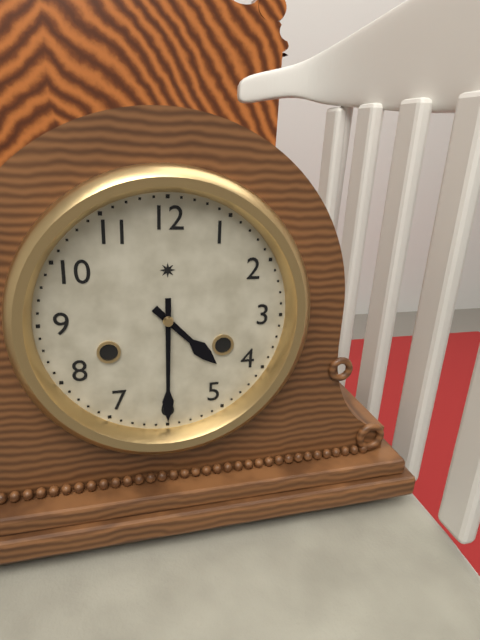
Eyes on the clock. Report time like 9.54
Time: 4.30
